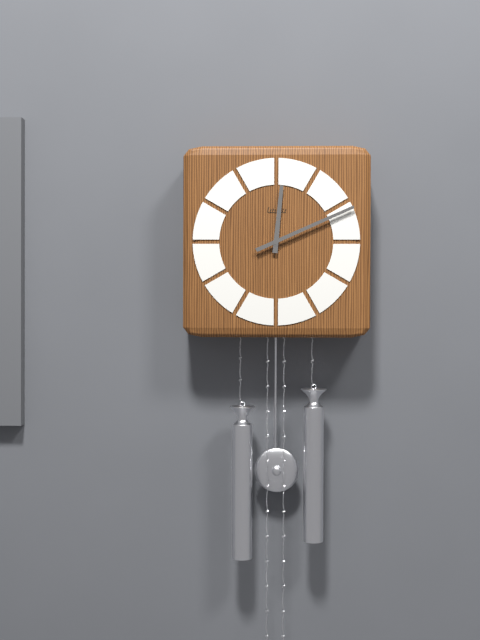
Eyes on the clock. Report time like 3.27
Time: 12.11
